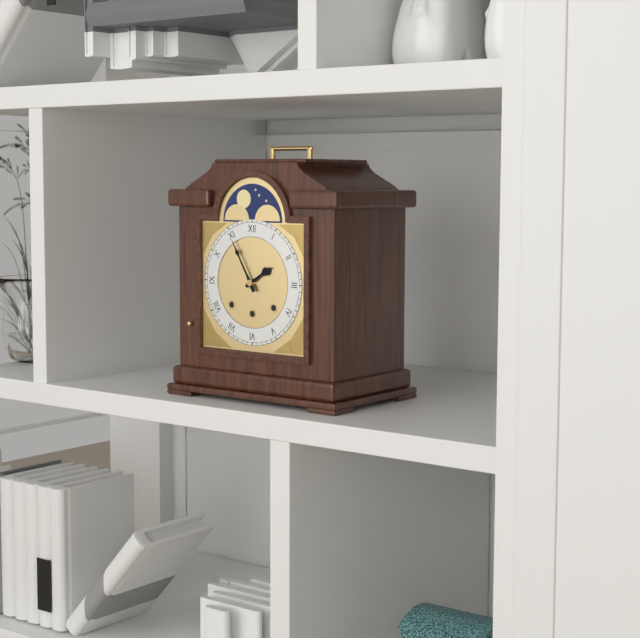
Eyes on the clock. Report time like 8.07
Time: 1.55
